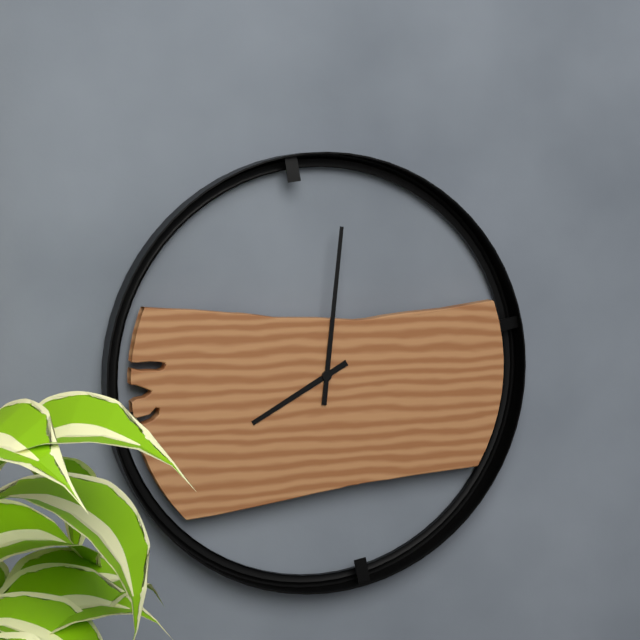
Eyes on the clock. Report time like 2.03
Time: 8.01
